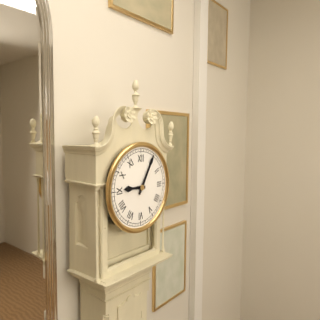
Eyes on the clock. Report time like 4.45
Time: 9.05
